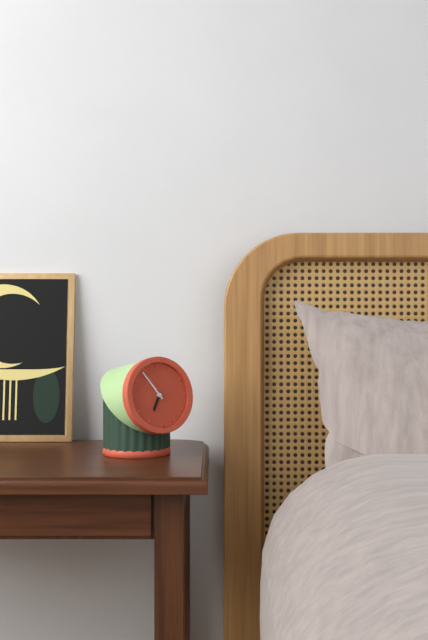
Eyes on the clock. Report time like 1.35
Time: 6.54
